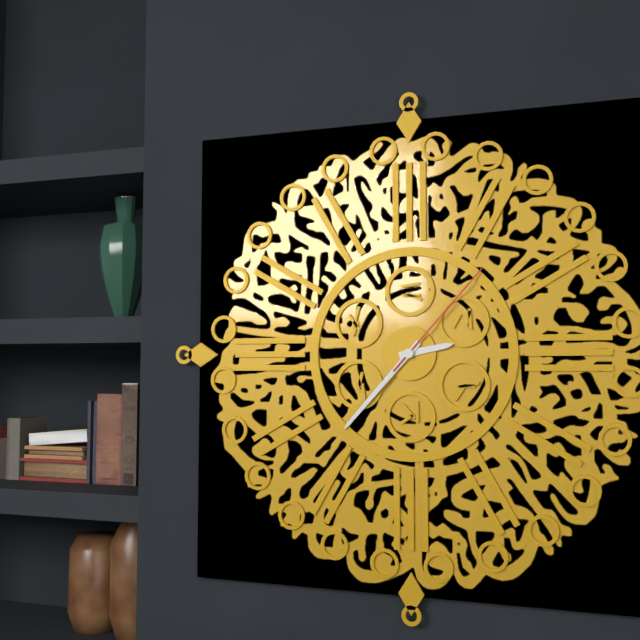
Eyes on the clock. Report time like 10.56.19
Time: 2.37.07
